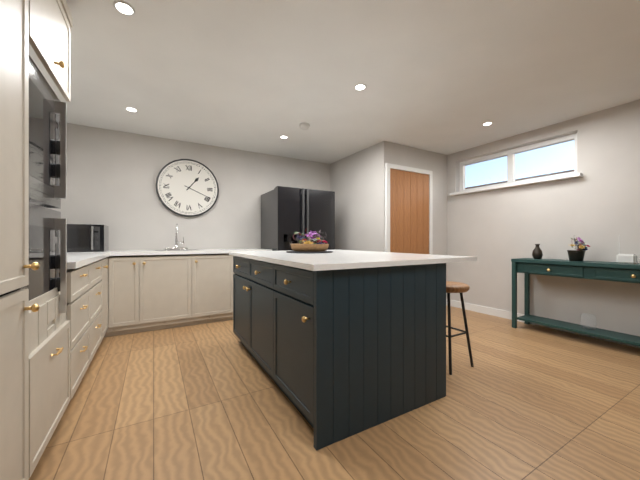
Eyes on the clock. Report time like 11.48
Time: 1.19
